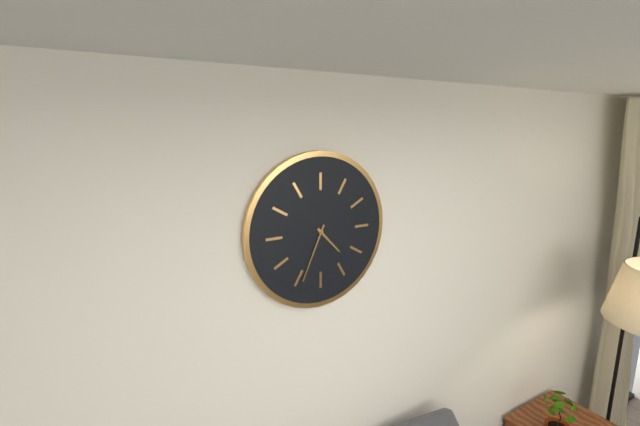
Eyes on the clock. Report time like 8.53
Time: 4.34
